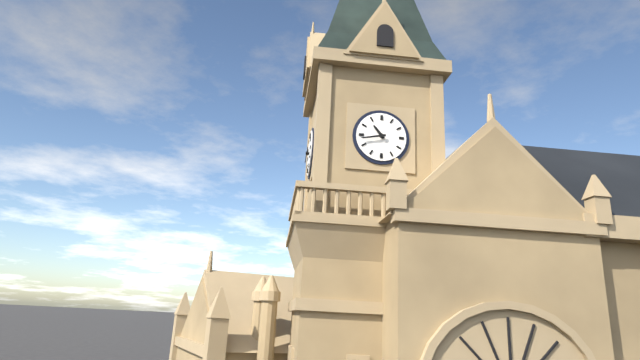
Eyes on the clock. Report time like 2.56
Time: 10.43
